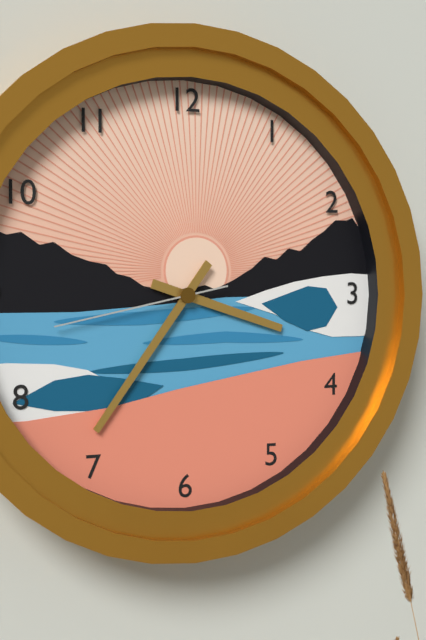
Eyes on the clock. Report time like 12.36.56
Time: 3.36.43
